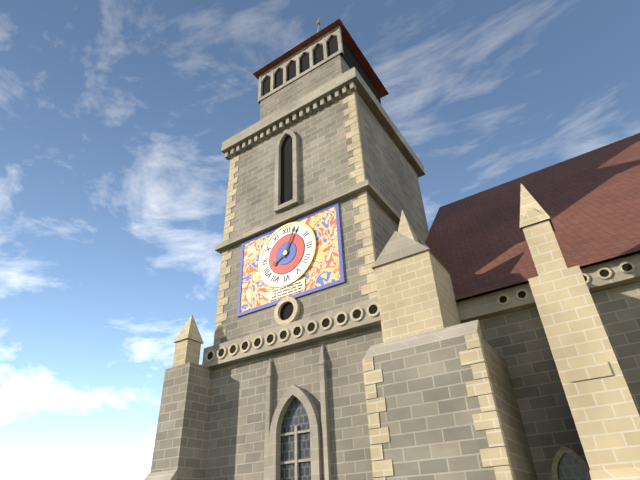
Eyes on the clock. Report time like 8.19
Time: 8.04
